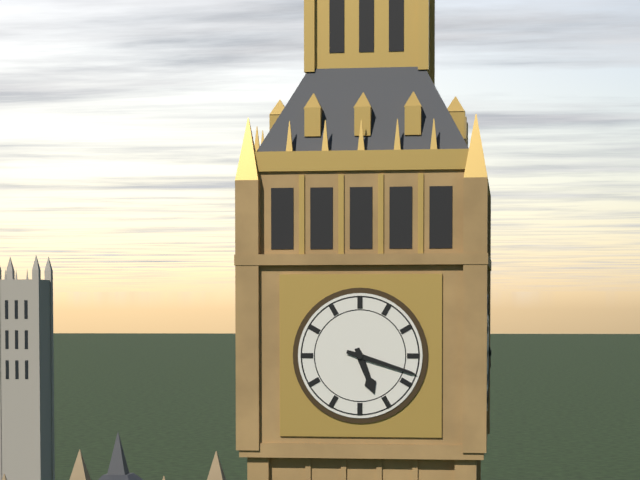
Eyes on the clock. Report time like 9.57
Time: 5.18
